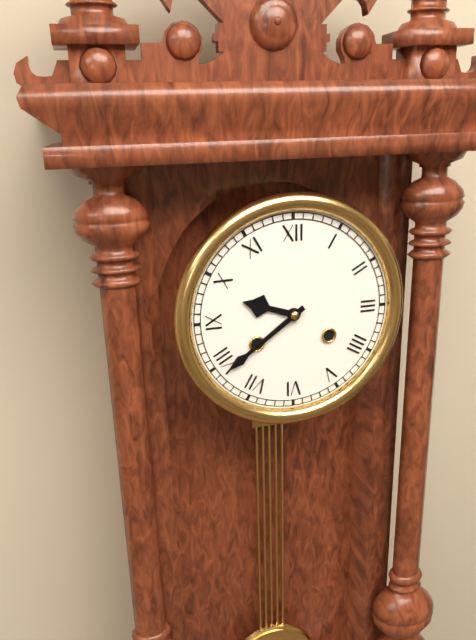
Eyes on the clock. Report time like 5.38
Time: 9.39
